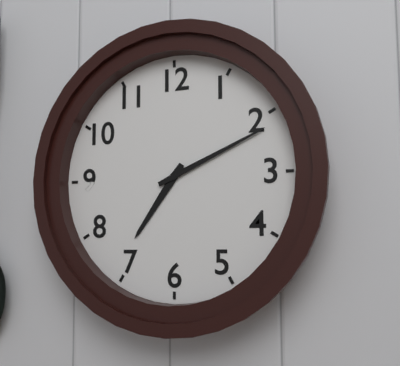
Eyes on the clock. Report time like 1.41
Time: 7.11
